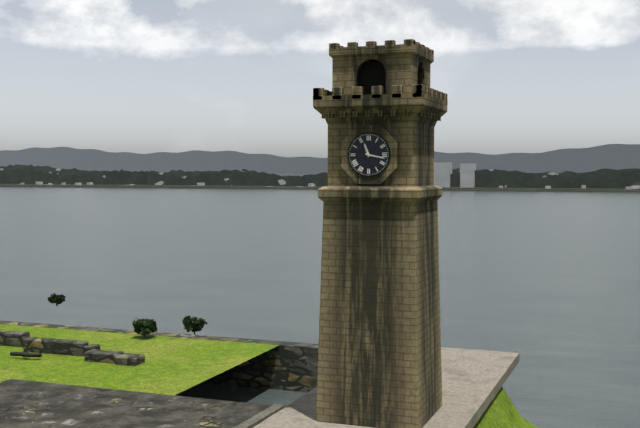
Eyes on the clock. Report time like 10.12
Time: 11.17
